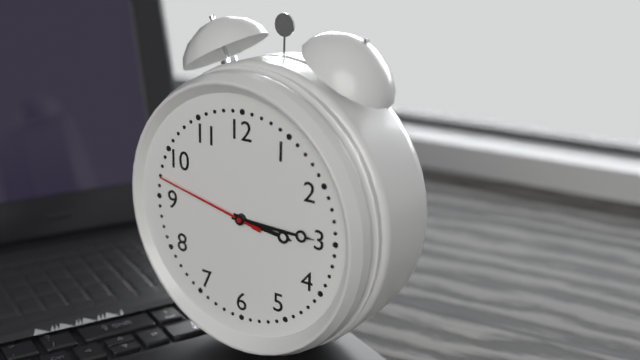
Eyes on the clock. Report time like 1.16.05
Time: 3.15.47
